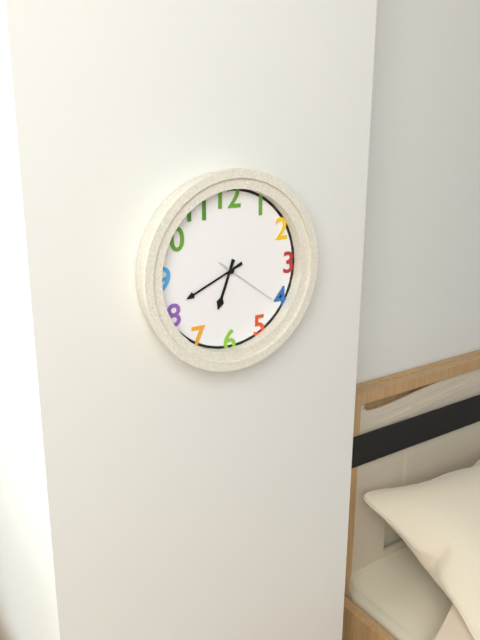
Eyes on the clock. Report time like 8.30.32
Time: 6.41.21
